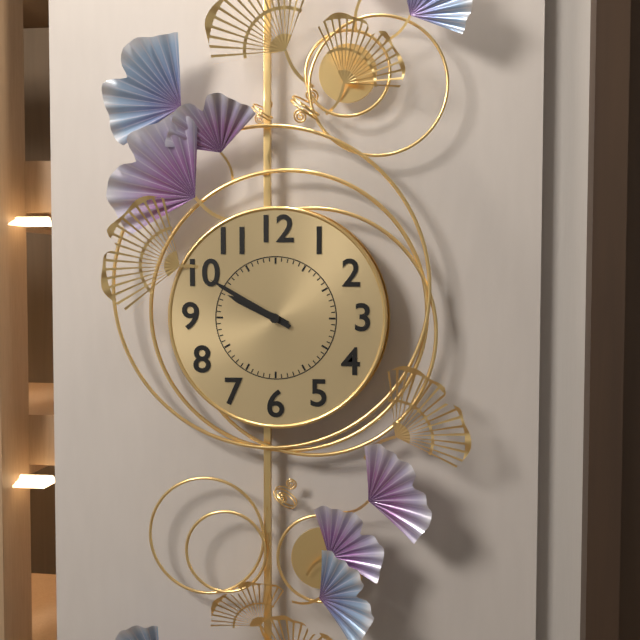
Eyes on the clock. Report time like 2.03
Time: 9.50
